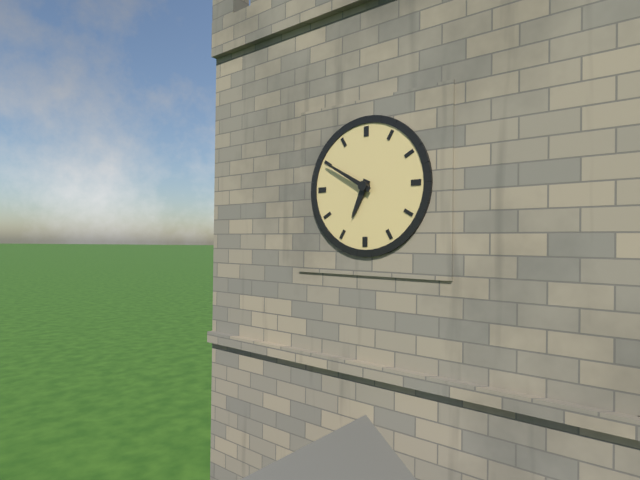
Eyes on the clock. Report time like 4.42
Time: 6.50
